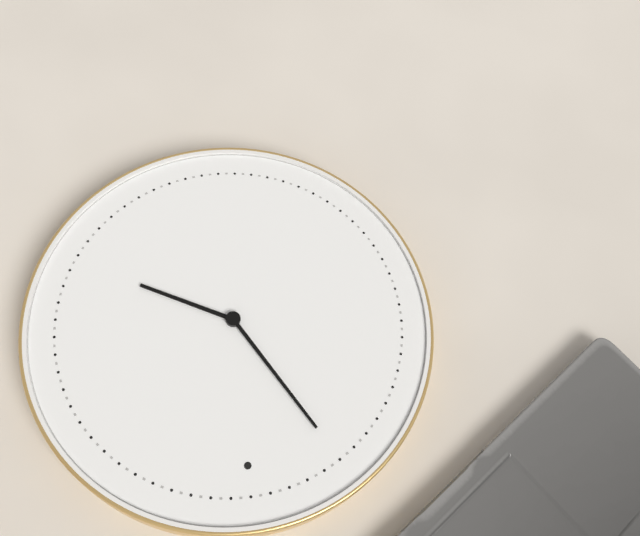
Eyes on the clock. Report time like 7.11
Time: 3.55
